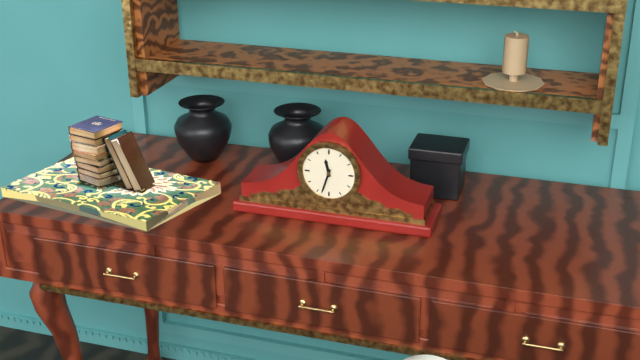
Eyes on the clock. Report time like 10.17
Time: 11.33
